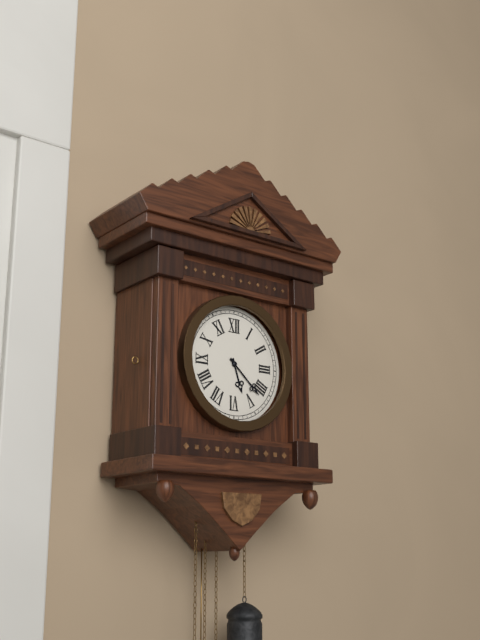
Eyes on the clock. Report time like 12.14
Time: 5.22
